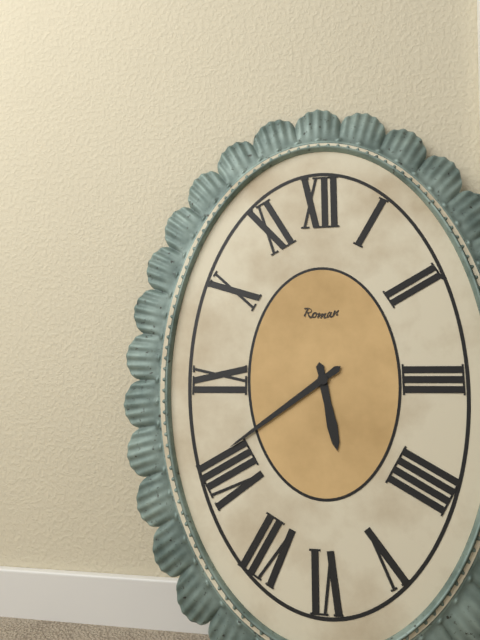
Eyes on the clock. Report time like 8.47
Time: 5.39
